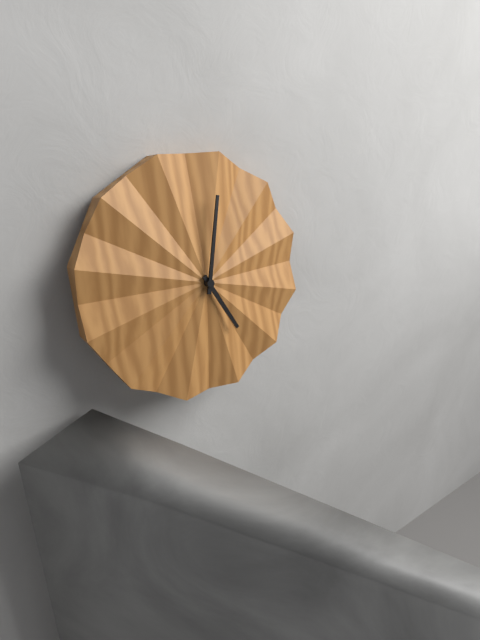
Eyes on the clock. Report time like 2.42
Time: 5.02
